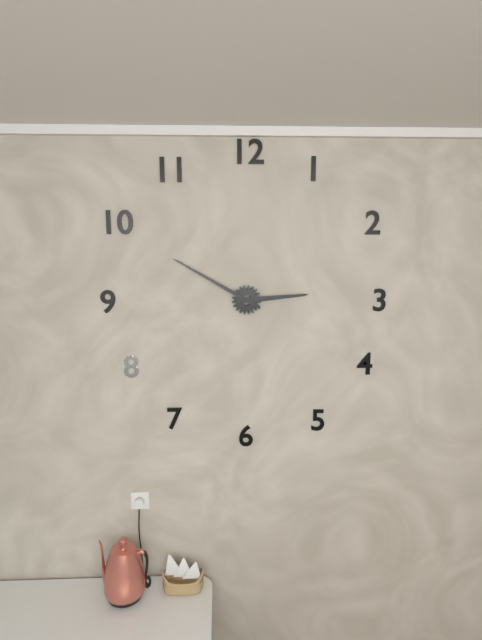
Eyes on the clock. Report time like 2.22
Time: 2.50
